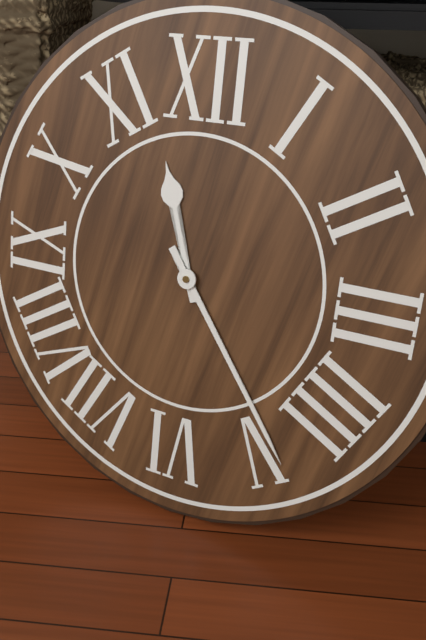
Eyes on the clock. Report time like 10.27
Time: 11.24
